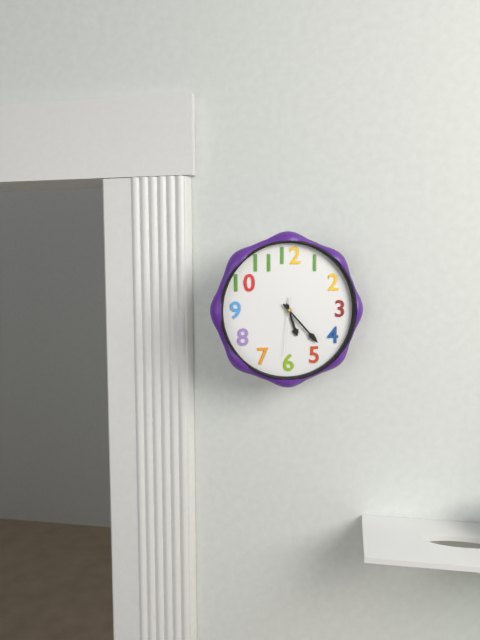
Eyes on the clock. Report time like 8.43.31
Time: 5.23.31
